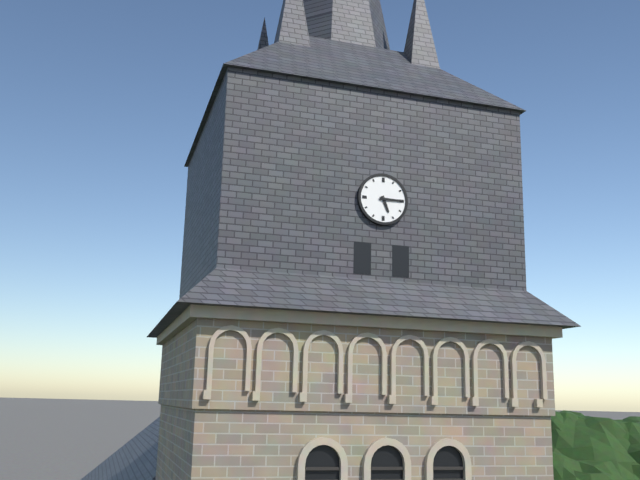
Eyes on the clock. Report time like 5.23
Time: 5.15
